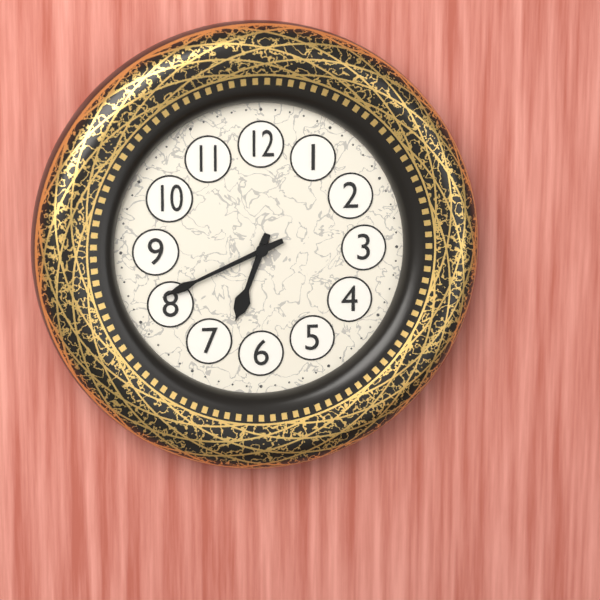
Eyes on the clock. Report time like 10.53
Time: 6.41
